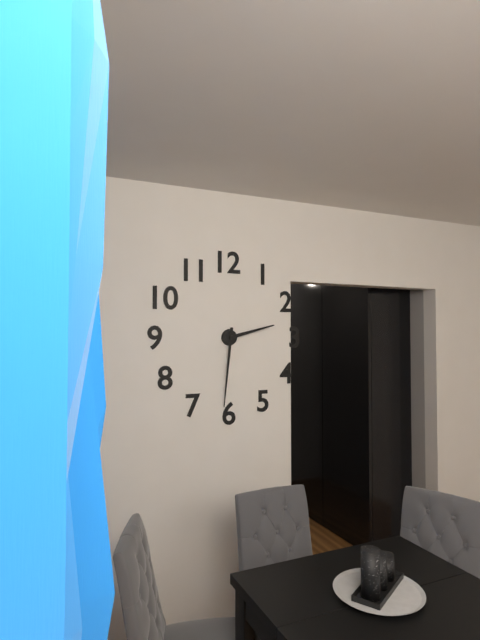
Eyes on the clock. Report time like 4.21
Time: 2.31
